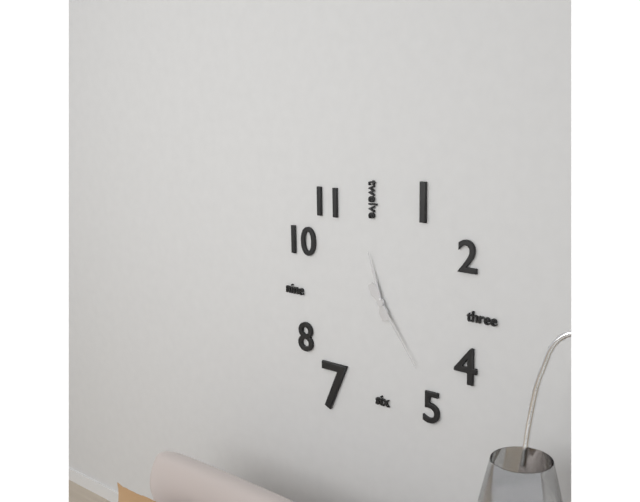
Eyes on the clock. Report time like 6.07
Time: 11.24
